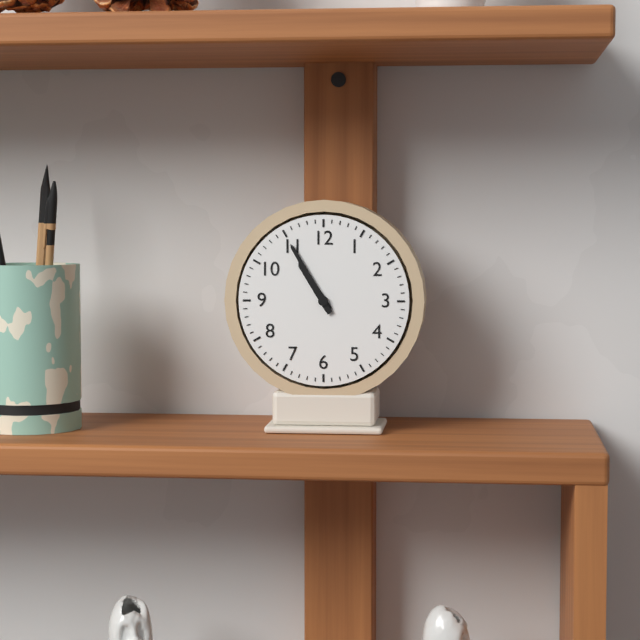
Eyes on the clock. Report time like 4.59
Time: 10.55
